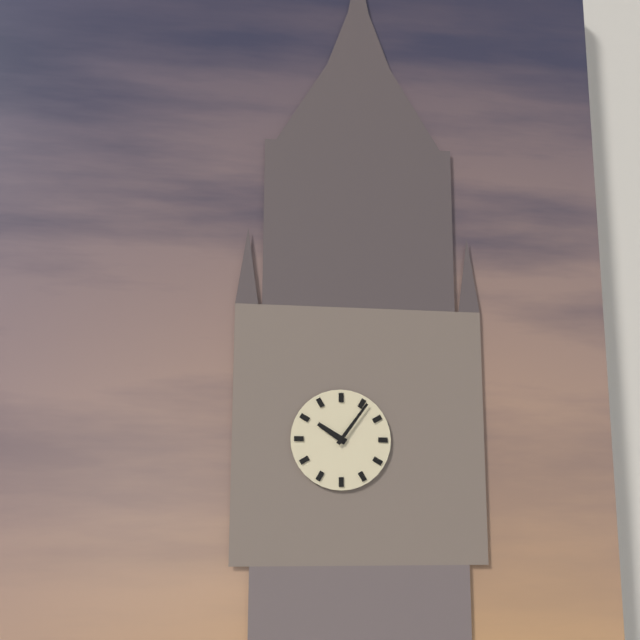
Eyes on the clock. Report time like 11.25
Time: 10.06
